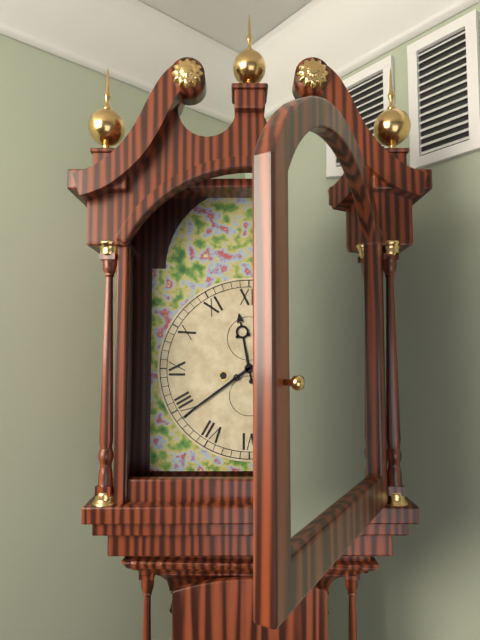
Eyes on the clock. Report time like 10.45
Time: 11.39
